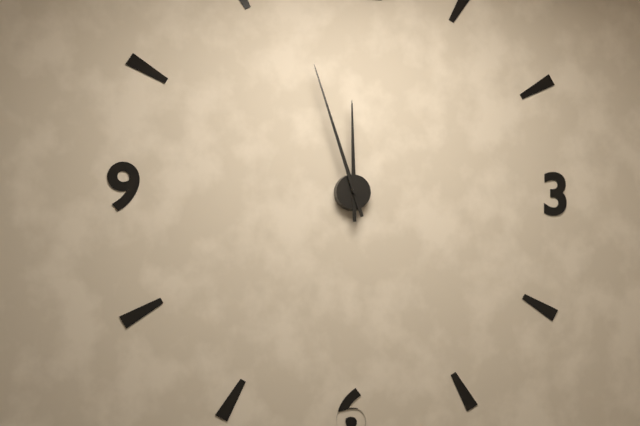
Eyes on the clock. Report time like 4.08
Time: 11.57
